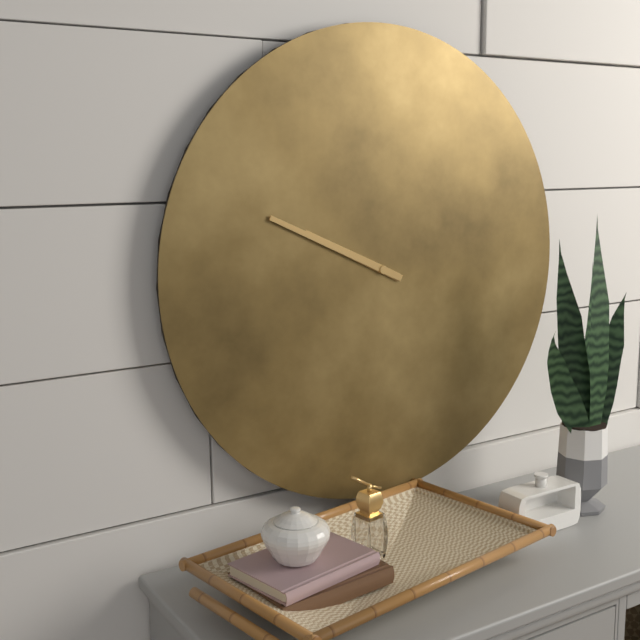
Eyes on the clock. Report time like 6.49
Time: 9.49
